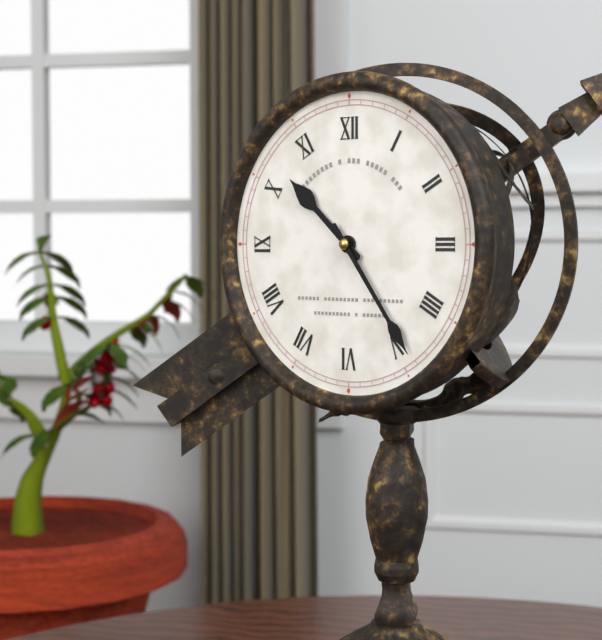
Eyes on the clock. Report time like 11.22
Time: 10.24
